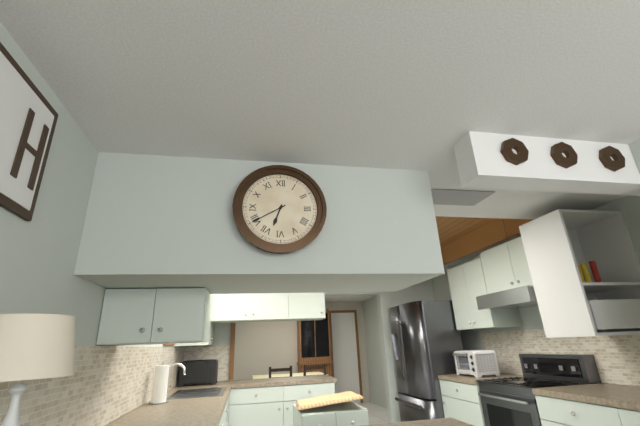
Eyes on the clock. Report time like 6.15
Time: 6.40
